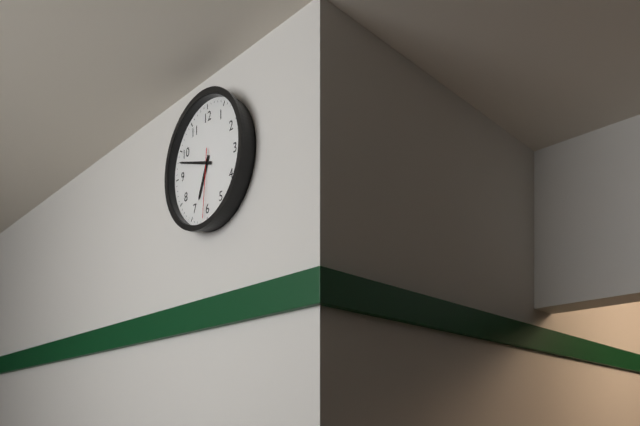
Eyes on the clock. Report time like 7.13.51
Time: 6.48.31
